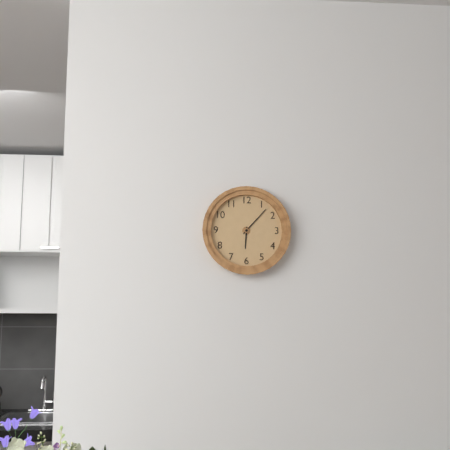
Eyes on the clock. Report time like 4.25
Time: 6.07
